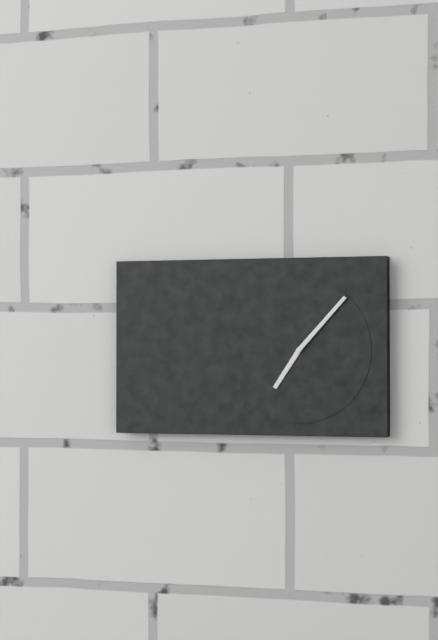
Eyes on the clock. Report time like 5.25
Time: 7.07
